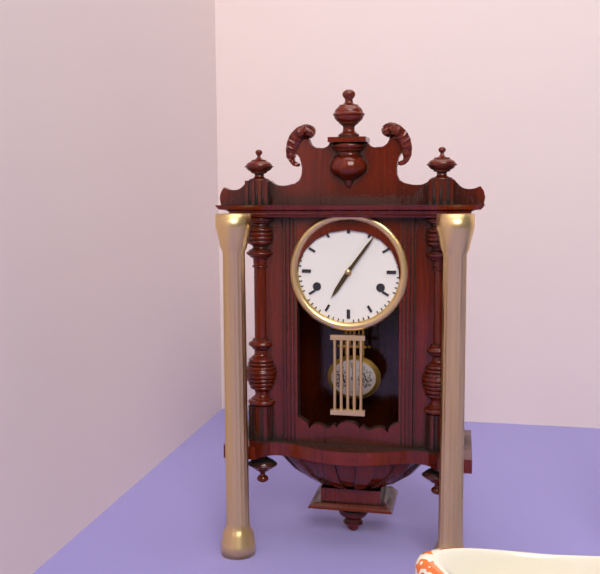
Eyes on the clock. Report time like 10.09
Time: 7.06
